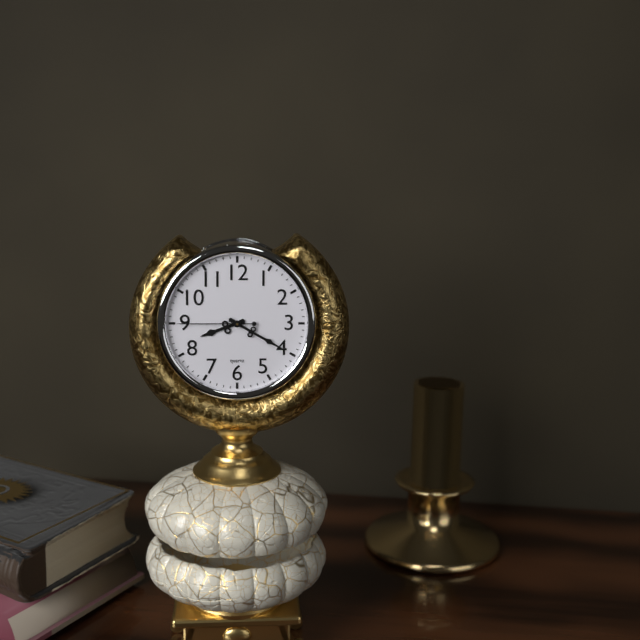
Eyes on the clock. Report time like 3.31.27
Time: 8.20.45
